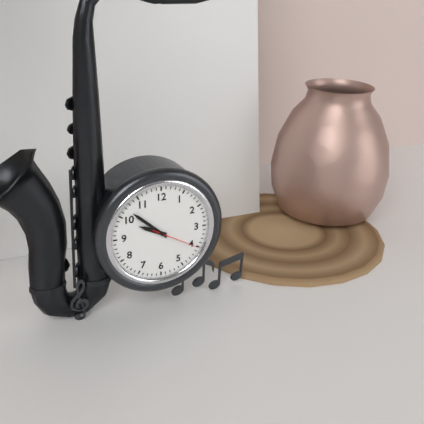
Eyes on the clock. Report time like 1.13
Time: 9.52
